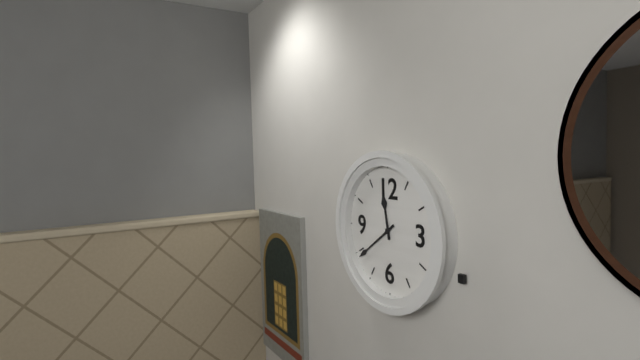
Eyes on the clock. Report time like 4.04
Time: 11.39
